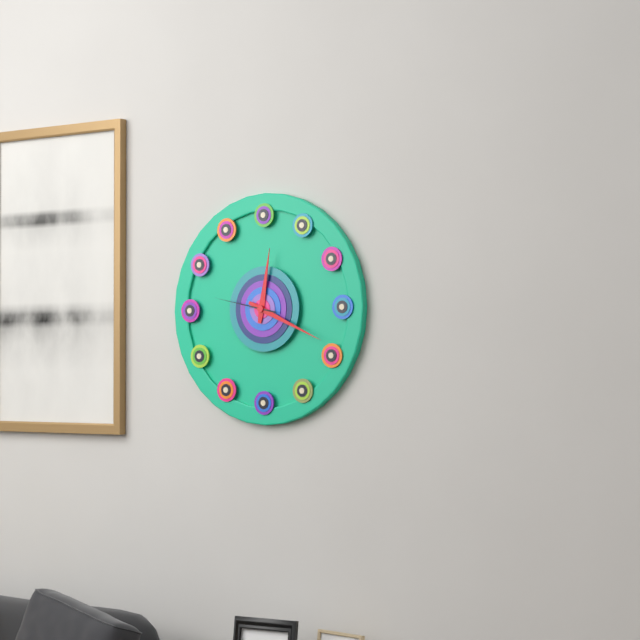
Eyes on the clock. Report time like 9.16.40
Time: 12.19.47
